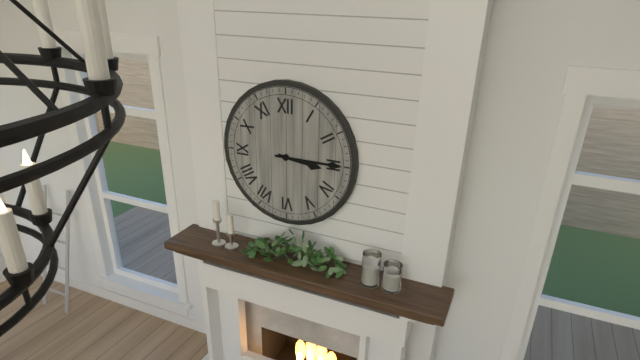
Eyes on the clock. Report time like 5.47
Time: 3.15
